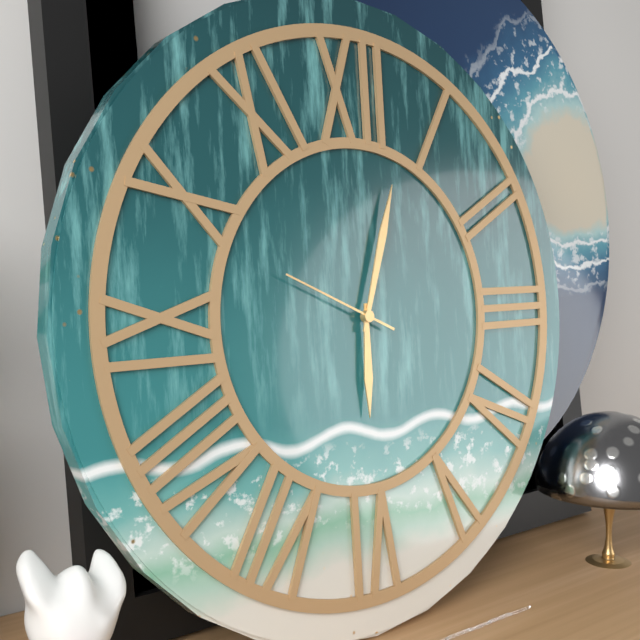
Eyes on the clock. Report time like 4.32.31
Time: 6.03.49
